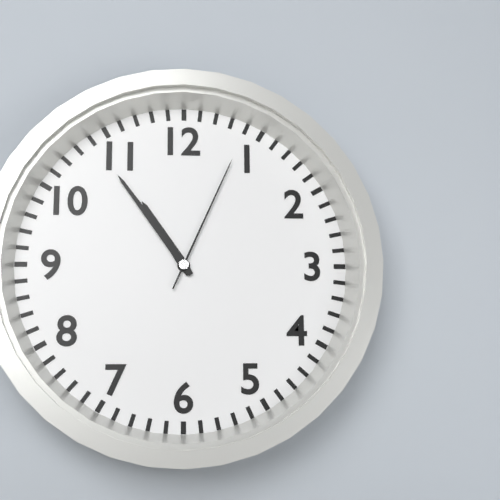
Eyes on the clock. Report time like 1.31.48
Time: 10.54.04
